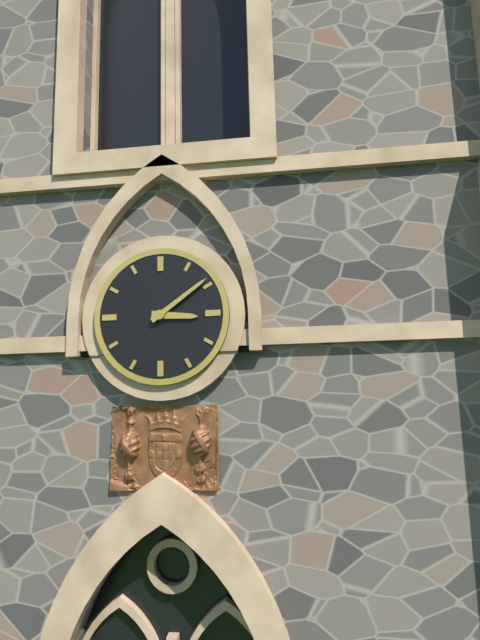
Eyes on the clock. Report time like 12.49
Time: 3.09
